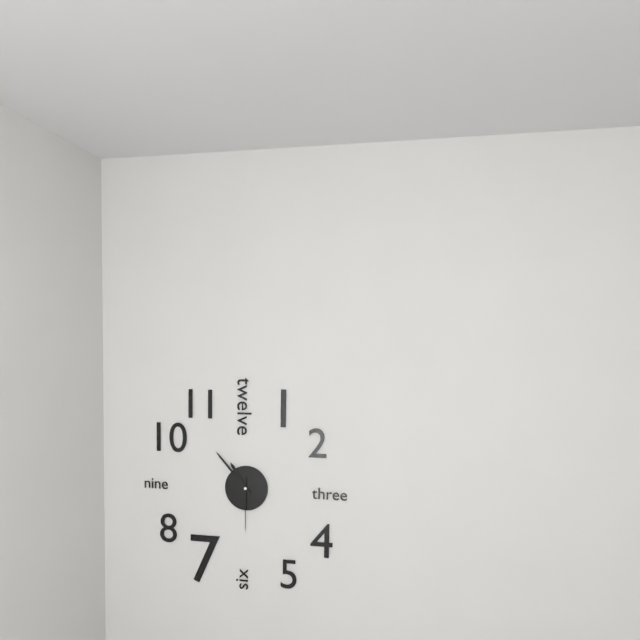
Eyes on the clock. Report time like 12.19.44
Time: 10.53.30
